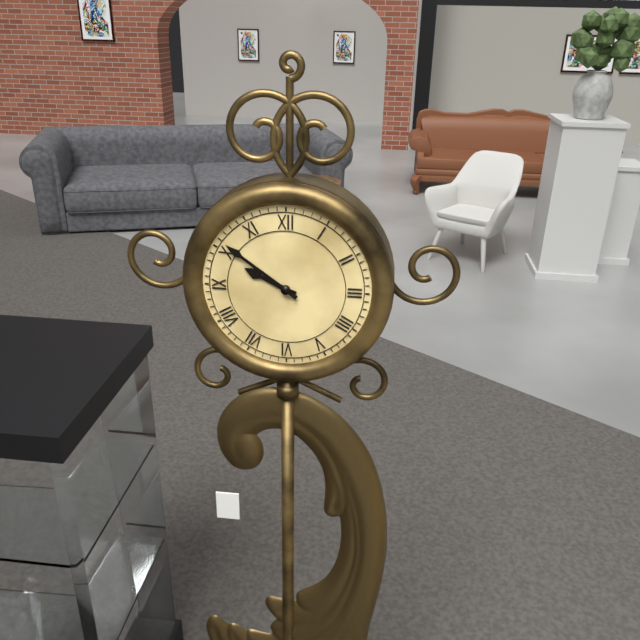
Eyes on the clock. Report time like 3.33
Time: 9.51
